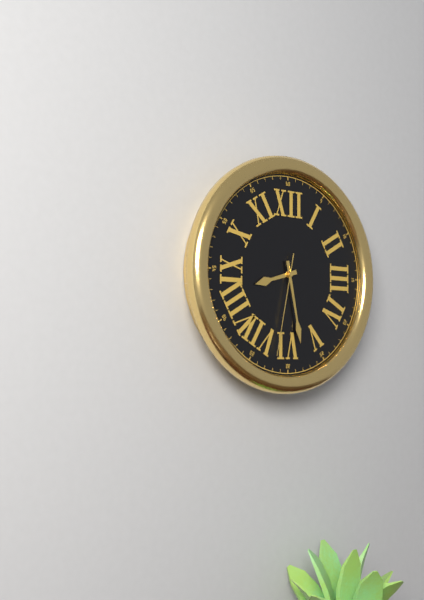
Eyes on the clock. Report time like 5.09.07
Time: 8.28.32
